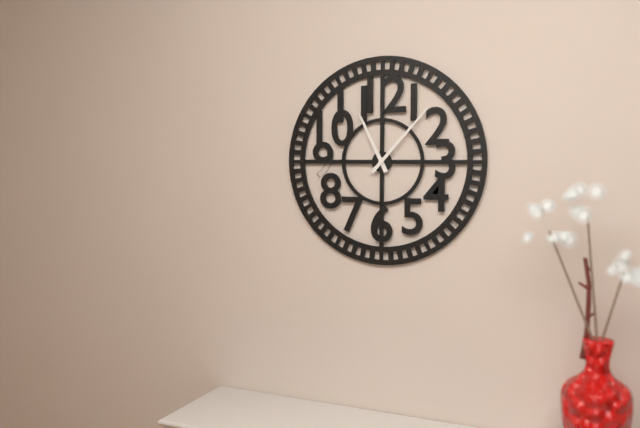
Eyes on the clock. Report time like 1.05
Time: 11.07
